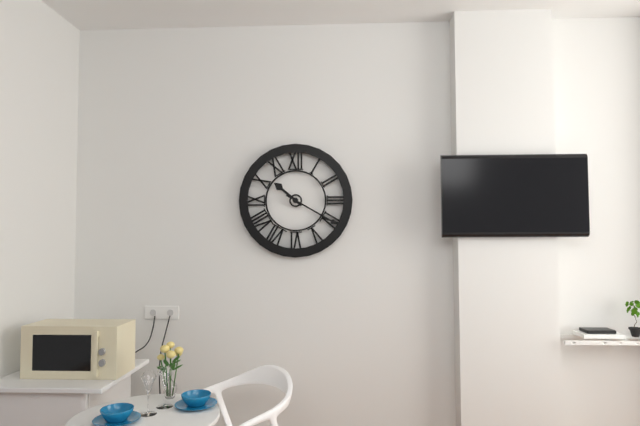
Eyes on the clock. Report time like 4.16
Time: 10.20
